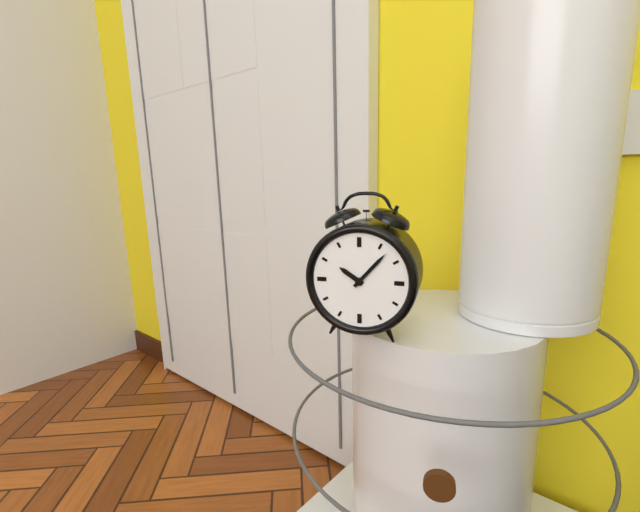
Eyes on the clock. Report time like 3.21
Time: 10.07
